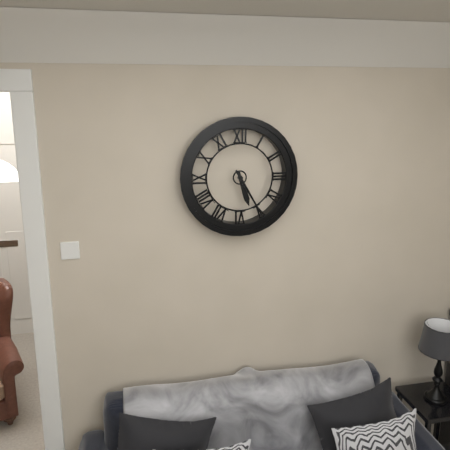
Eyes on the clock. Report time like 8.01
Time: 5.25
